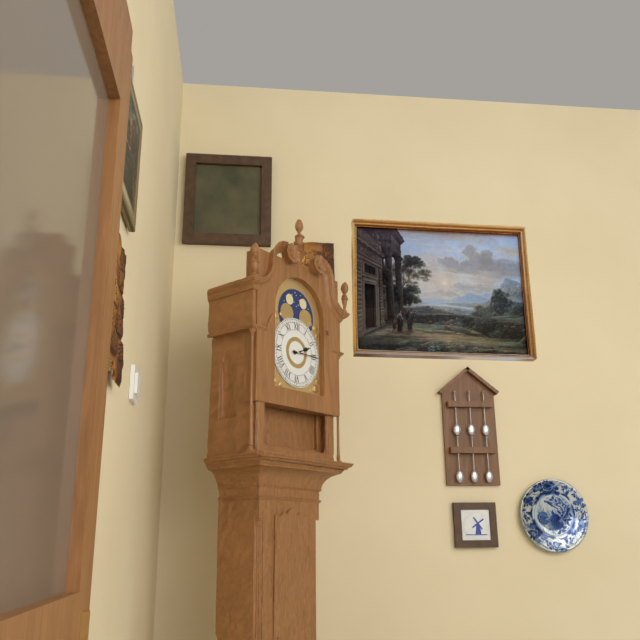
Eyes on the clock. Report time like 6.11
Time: 2.15
